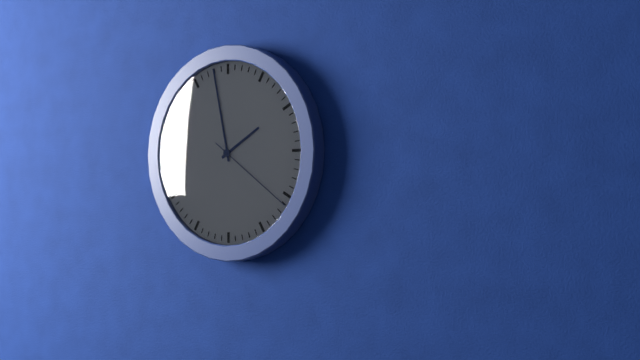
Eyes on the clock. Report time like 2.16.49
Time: 1.58.21
